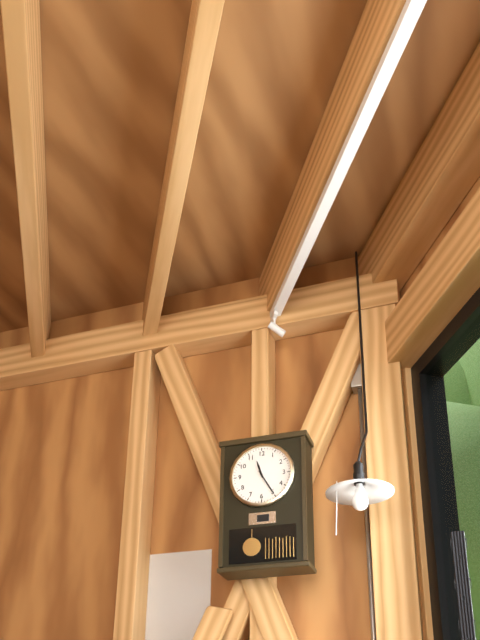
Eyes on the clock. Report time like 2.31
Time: 11.25
